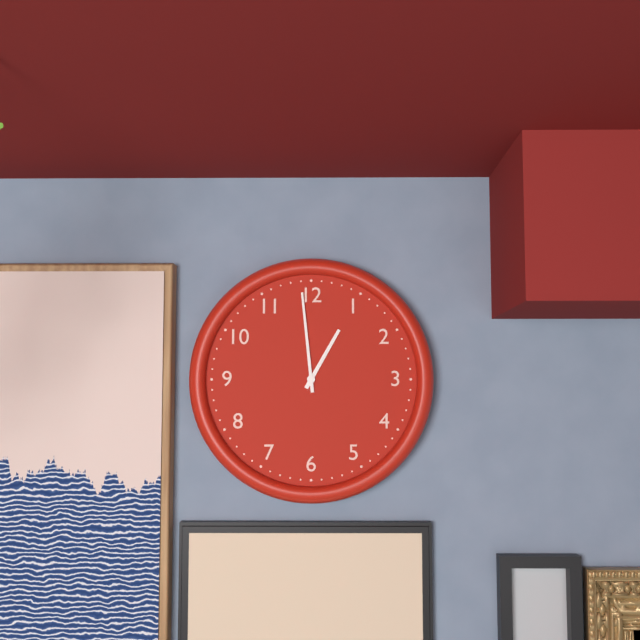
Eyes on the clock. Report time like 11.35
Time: 12.59
